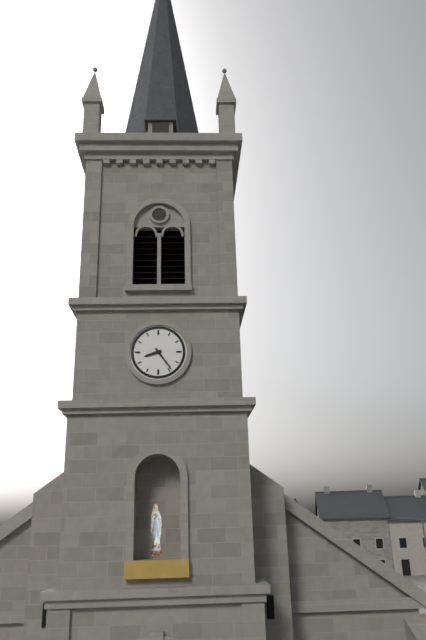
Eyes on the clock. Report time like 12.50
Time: 8.24
